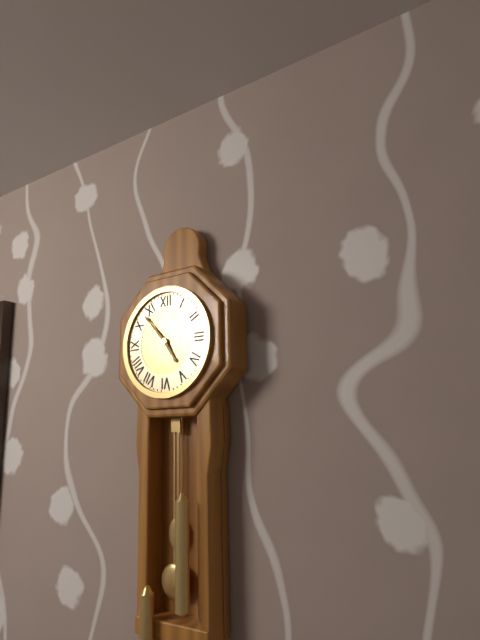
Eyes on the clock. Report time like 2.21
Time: 4.53
